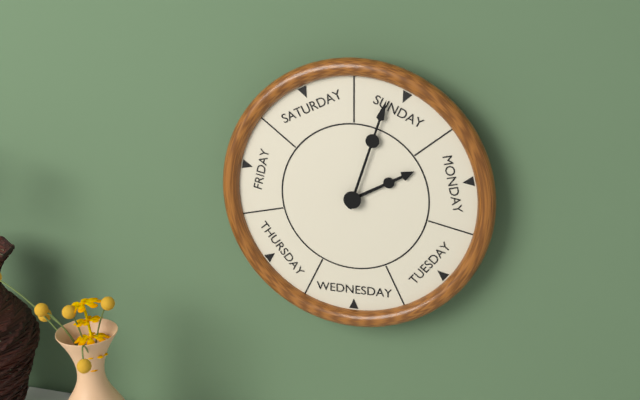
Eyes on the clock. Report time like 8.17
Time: 2.03
